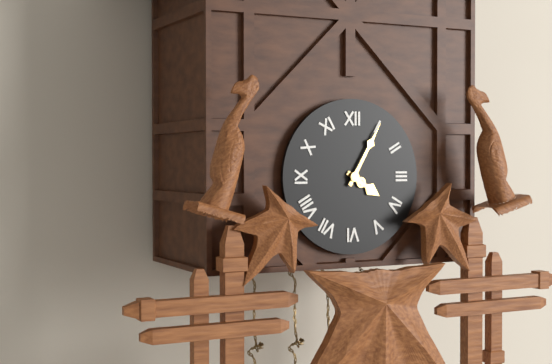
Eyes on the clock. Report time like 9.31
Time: 4.05
